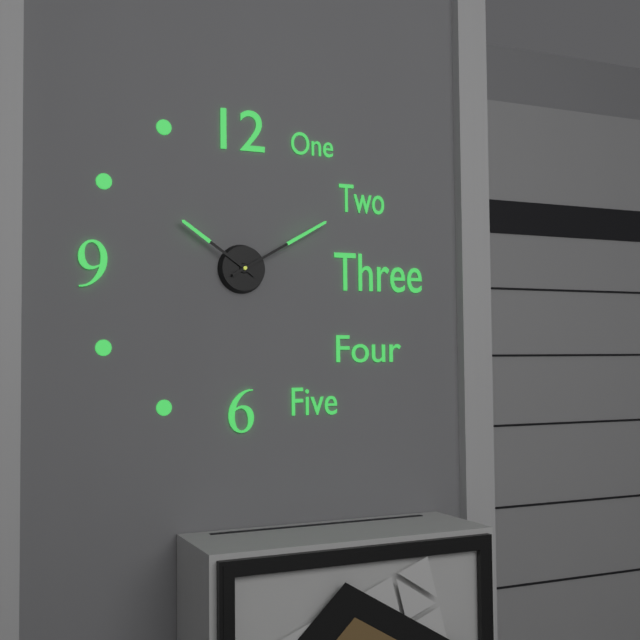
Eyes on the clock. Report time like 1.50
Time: 10.10
